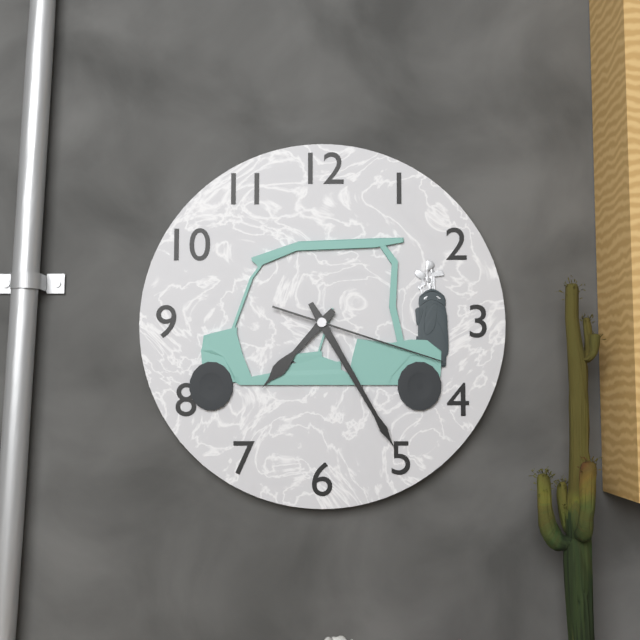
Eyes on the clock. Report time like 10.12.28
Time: 7.25.18
